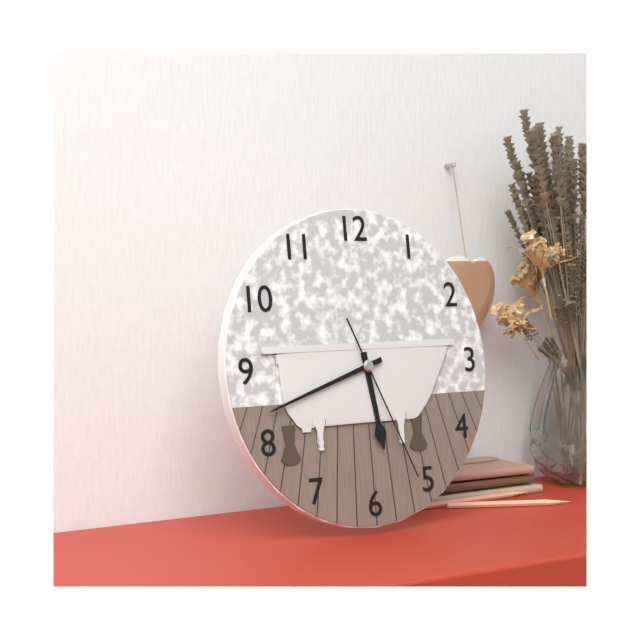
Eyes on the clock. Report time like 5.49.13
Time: 5.42.26
